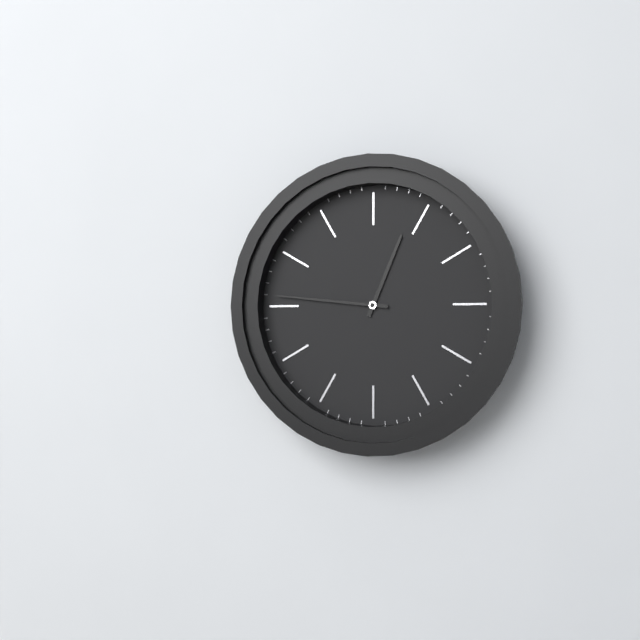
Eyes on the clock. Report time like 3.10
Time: 12.46
